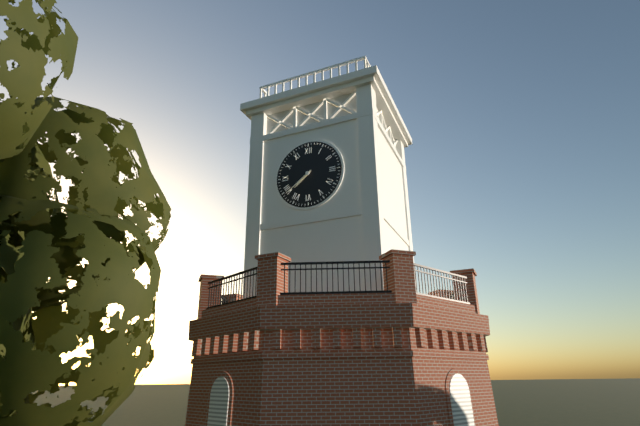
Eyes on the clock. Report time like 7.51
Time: 7.39
